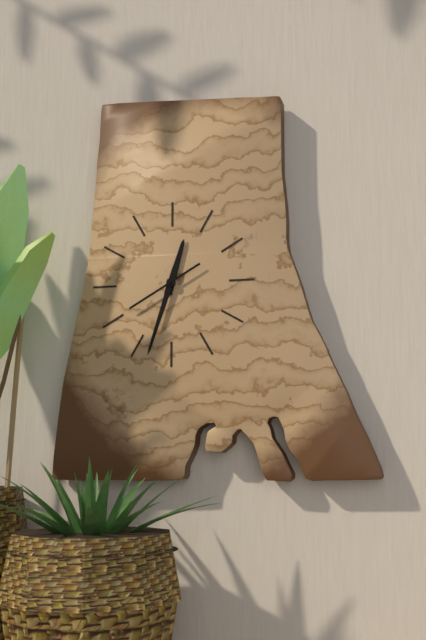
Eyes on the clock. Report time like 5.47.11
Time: 12.33.40
